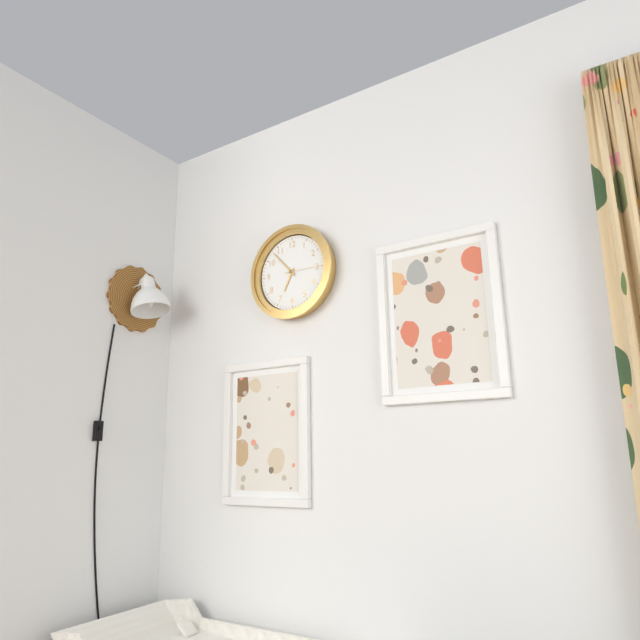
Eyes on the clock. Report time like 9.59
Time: 6.53
